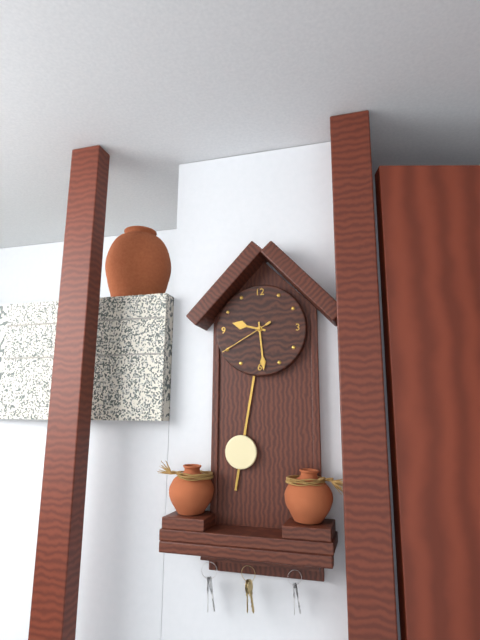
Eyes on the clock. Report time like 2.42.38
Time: 9.29.40
